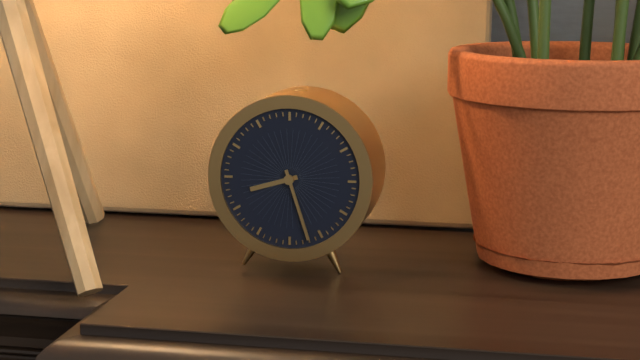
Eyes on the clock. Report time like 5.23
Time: 8.27
